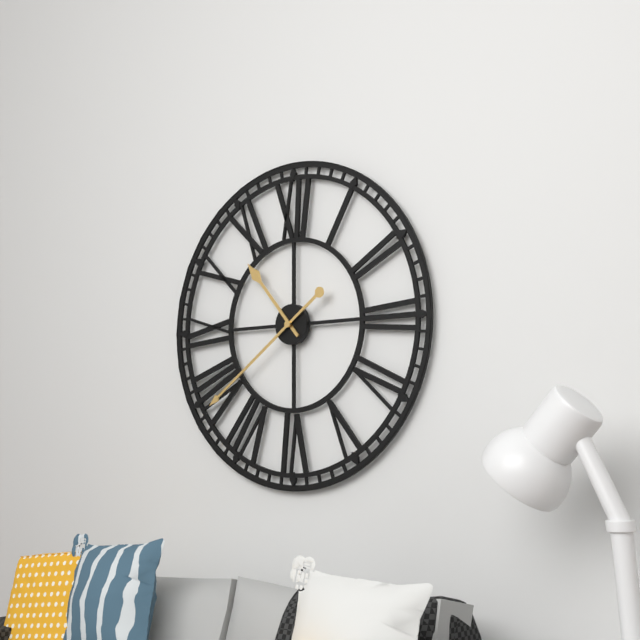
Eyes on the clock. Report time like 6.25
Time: 10.39
